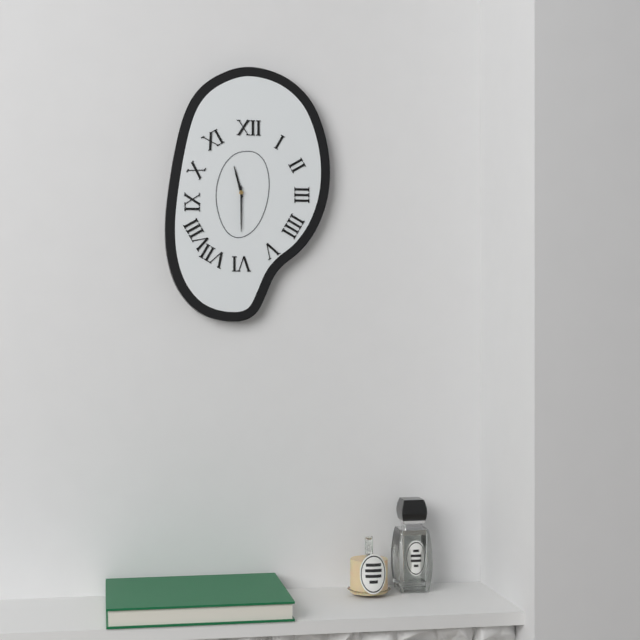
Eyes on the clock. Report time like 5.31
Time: 11.30
